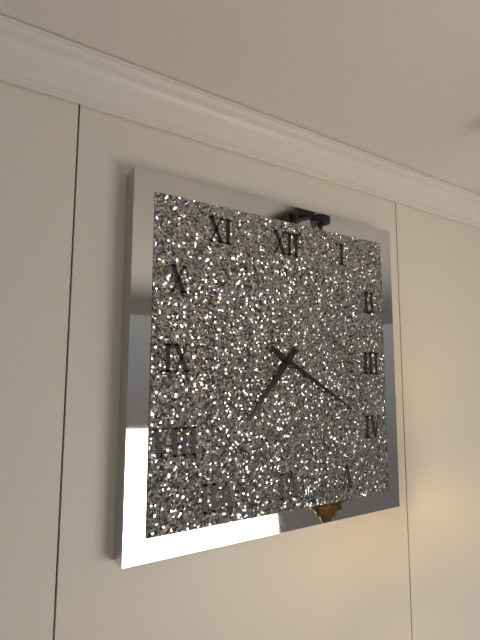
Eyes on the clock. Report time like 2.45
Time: 7.20
